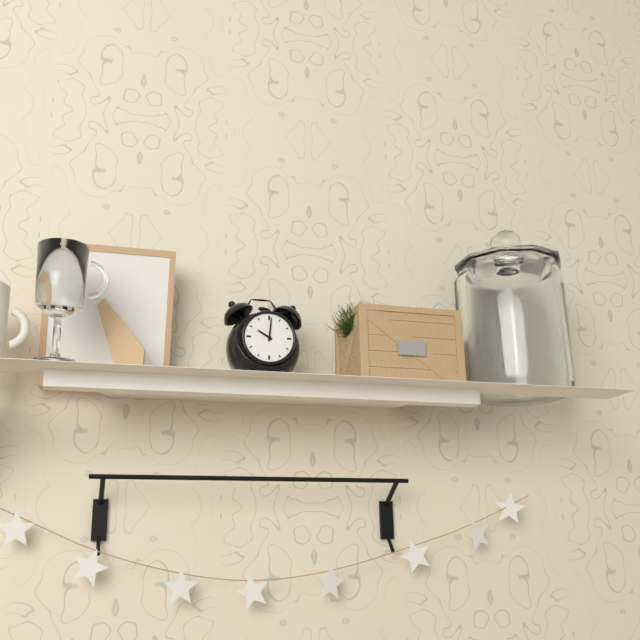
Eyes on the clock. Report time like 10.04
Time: 10.01
